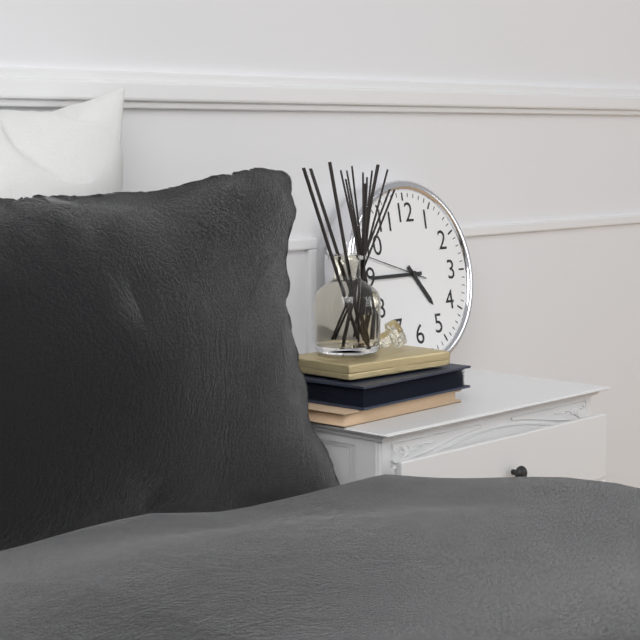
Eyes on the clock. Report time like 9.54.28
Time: 4.45.48
